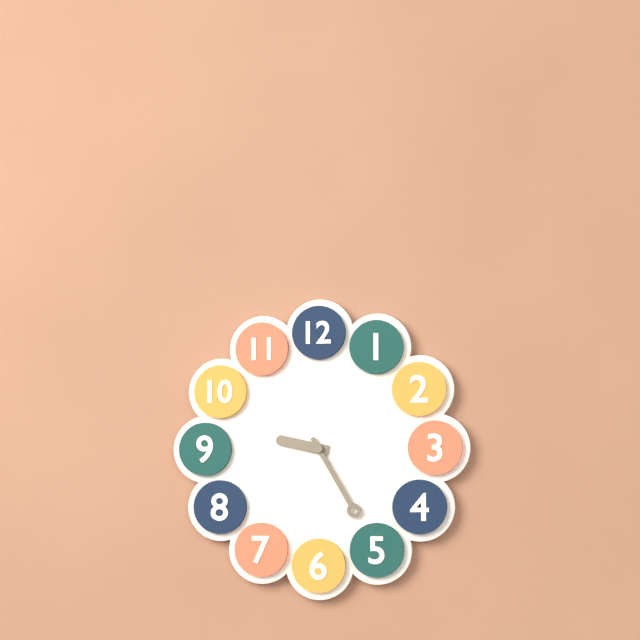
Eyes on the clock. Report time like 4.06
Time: 9.25
